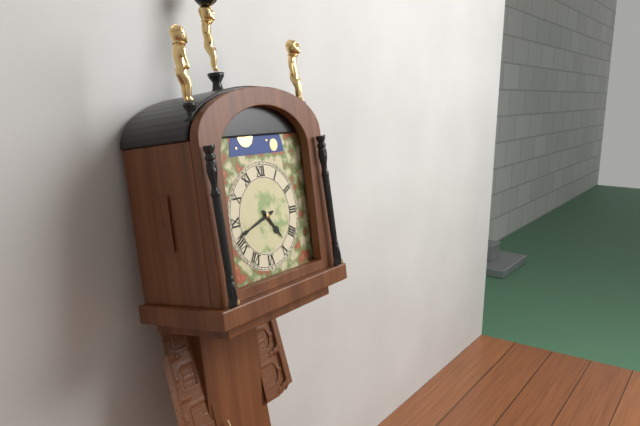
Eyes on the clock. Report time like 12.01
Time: 4.42
